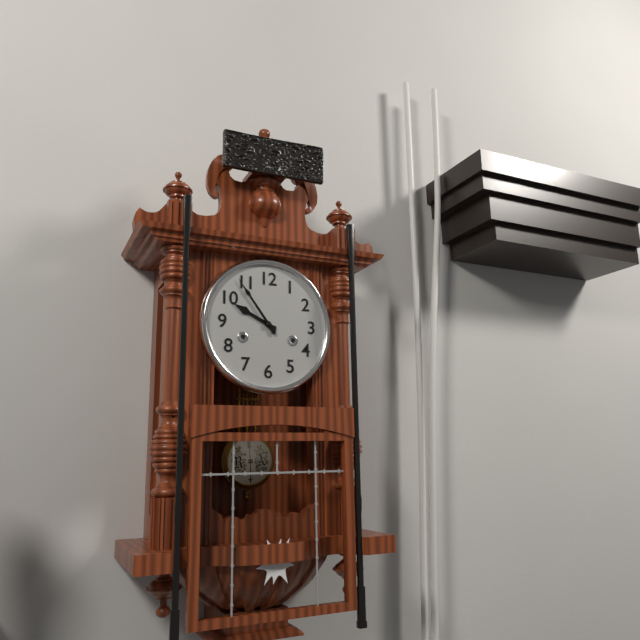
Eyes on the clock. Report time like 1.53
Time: 9.54
